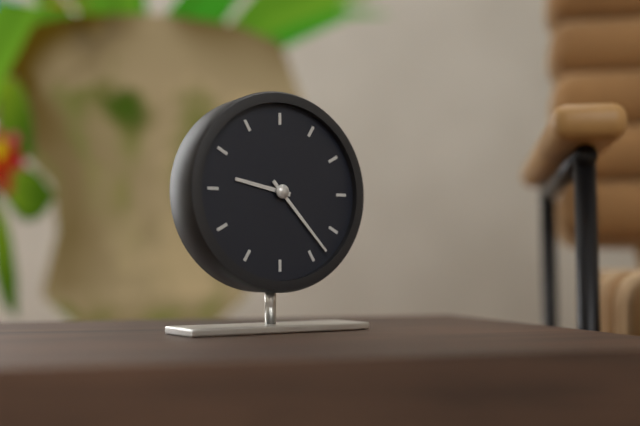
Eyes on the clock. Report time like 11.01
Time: 9.23
